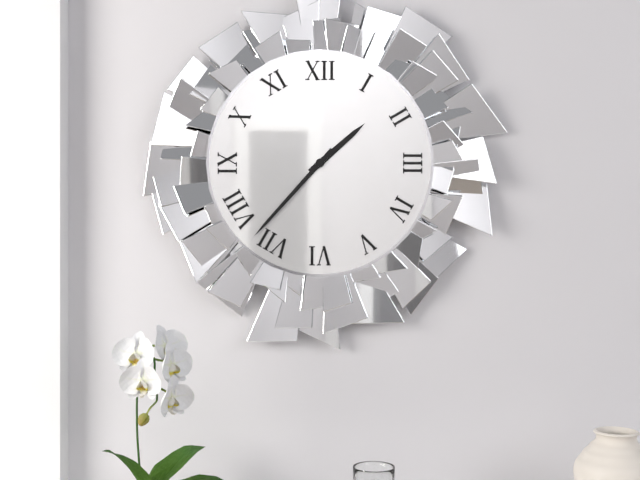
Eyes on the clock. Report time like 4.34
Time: 1.37
